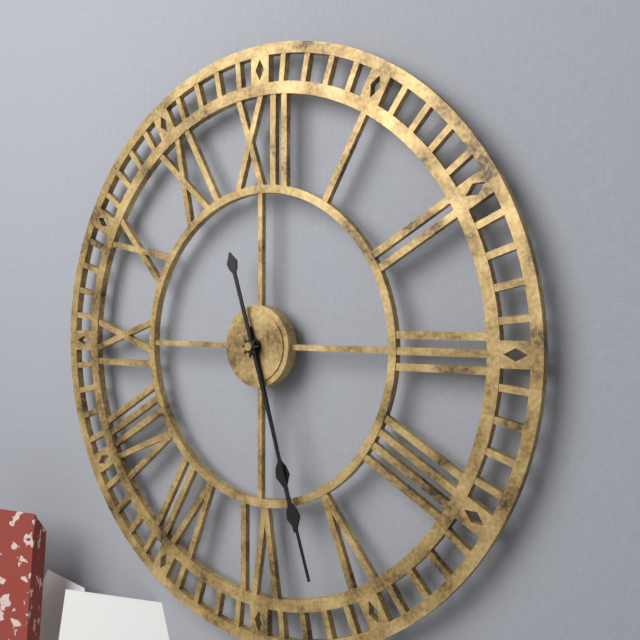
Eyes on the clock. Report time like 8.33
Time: 5.27
